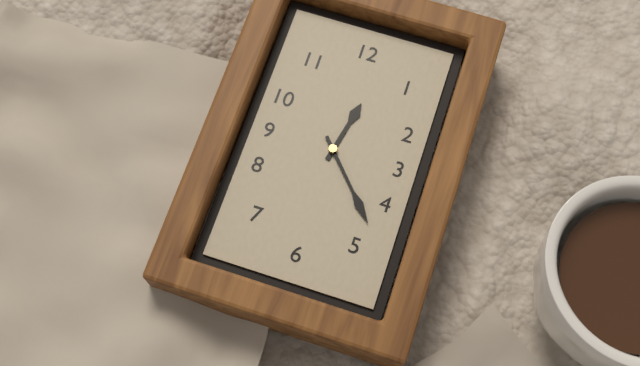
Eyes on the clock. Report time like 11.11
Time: 12.23
